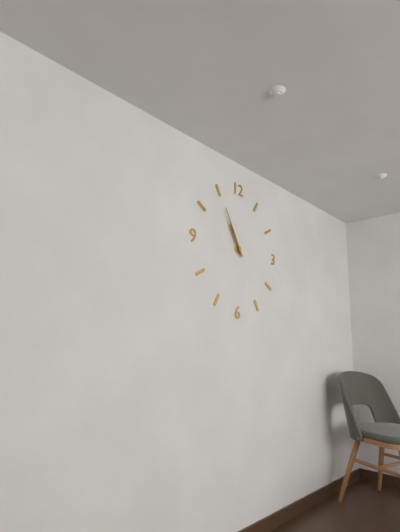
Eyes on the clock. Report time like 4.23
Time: 10.55
